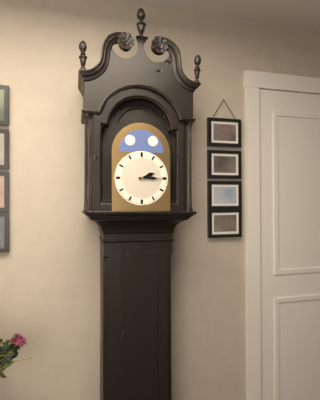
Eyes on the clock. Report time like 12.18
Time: 2.15
